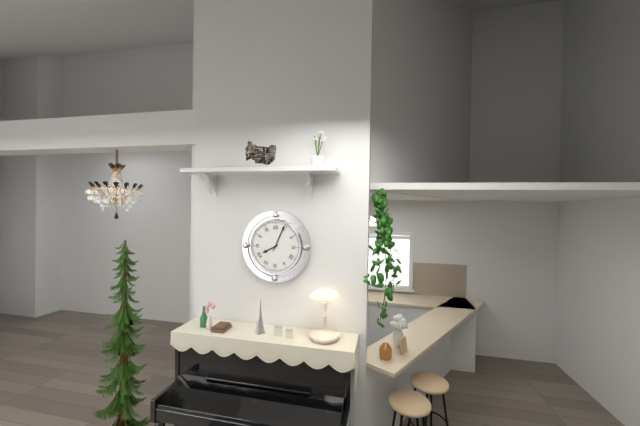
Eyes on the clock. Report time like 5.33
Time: 8.04
